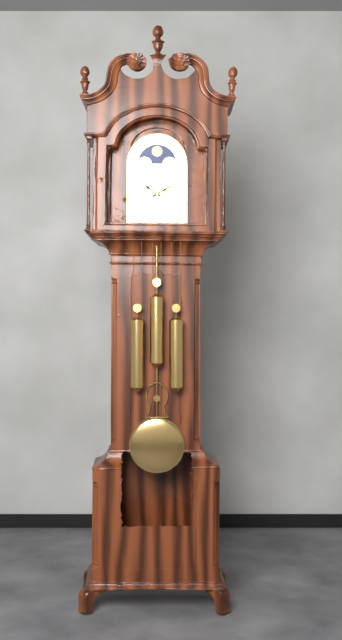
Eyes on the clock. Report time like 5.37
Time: 10.10
